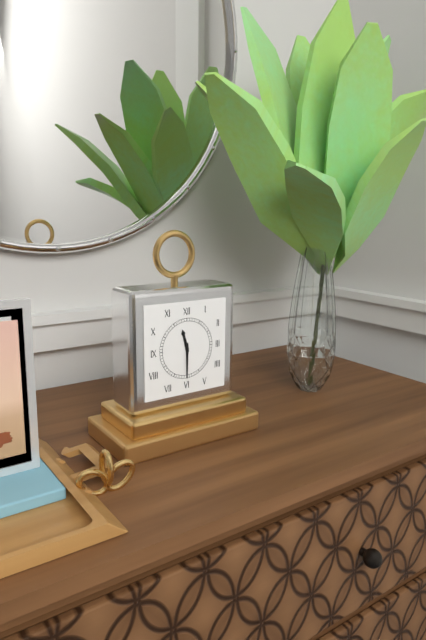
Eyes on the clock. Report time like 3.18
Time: 11.30
